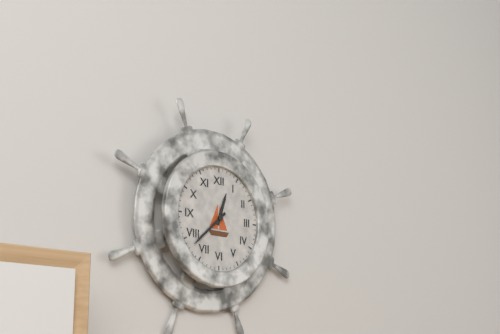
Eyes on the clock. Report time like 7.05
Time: 12.38
